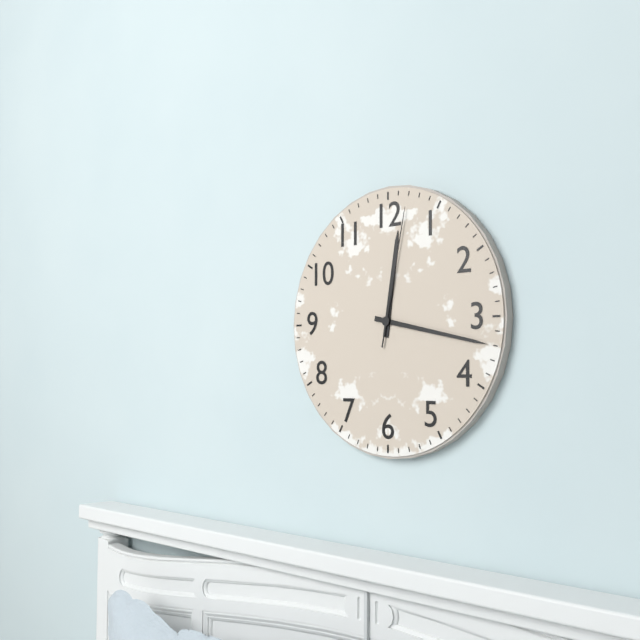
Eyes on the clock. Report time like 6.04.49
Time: 12.17.02
